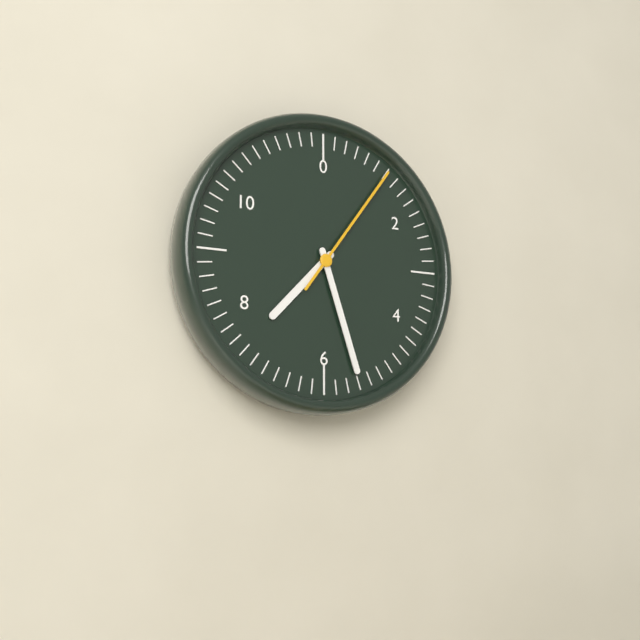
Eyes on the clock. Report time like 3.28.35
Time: 7.27.06
